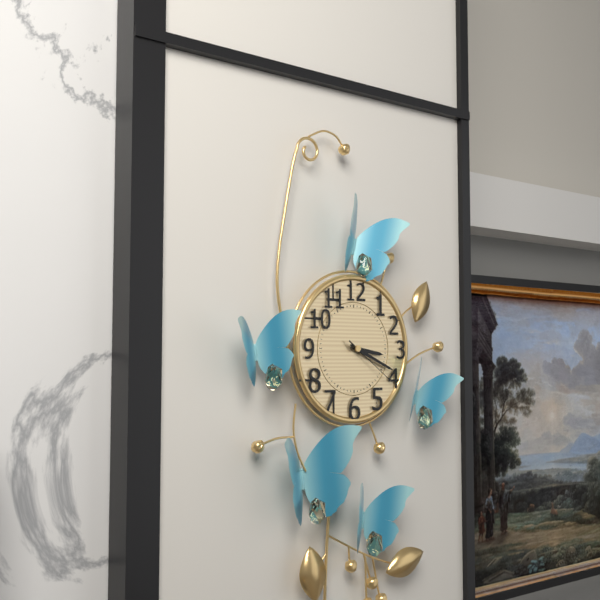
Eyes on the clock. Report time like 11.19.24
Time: 3.19.21
